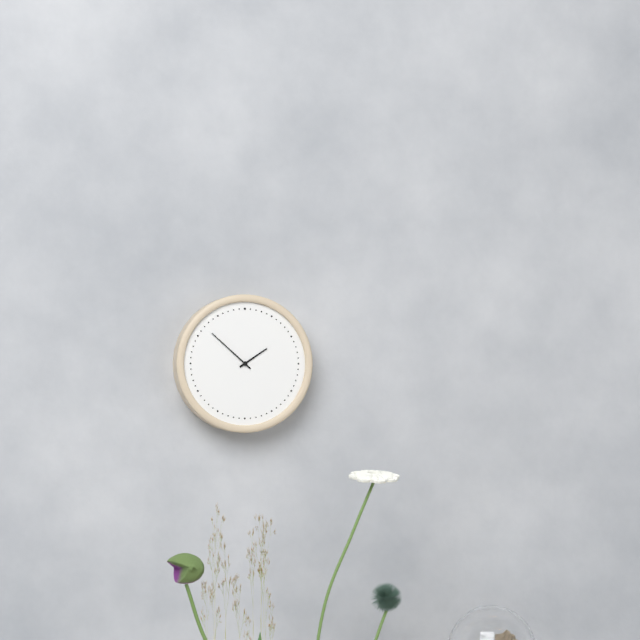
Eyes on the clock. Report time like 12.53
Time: 1.52
